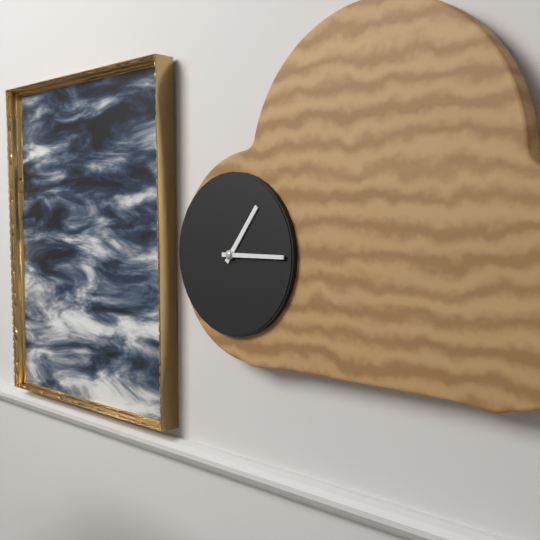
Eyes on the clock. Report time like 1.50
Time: 1.15
